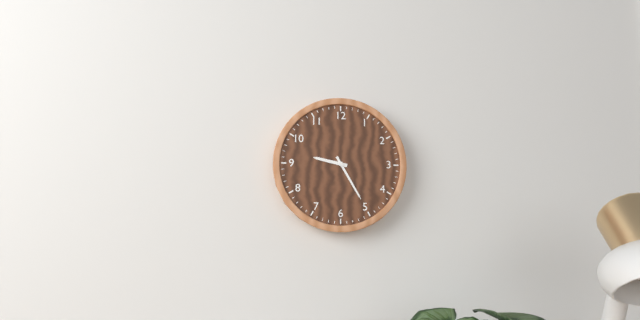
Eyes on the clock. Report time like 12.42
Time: 9.25
